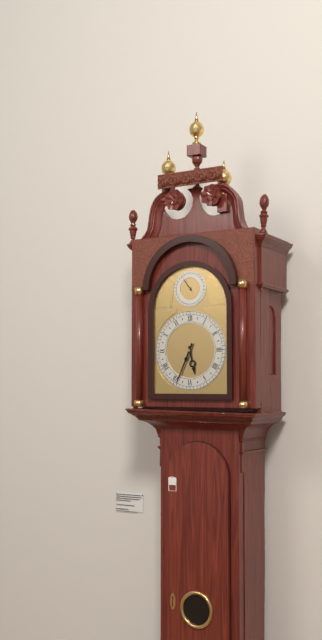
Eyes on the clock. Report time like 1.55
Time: 5.34
